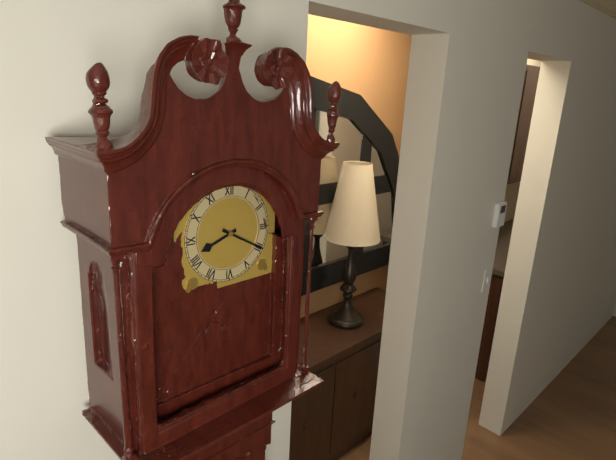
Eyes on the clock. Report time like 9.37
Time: 8.20
